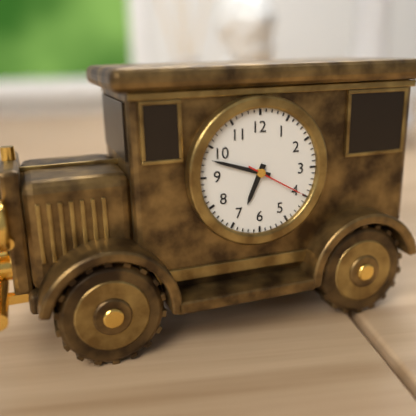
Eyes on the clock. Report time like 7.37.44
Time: 6.48.20
